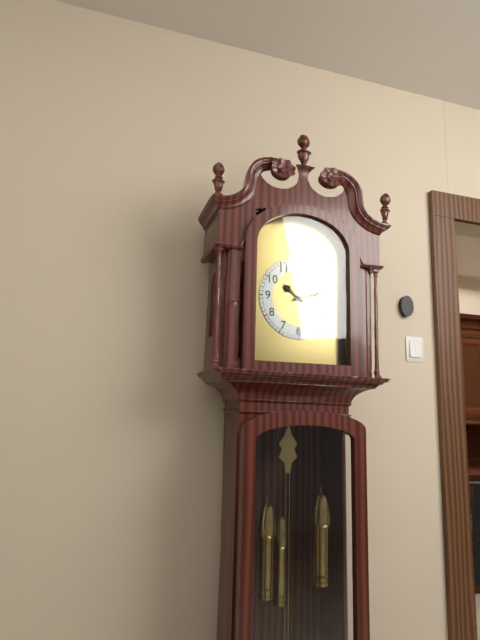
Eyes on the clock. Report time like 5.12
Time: 10.12
